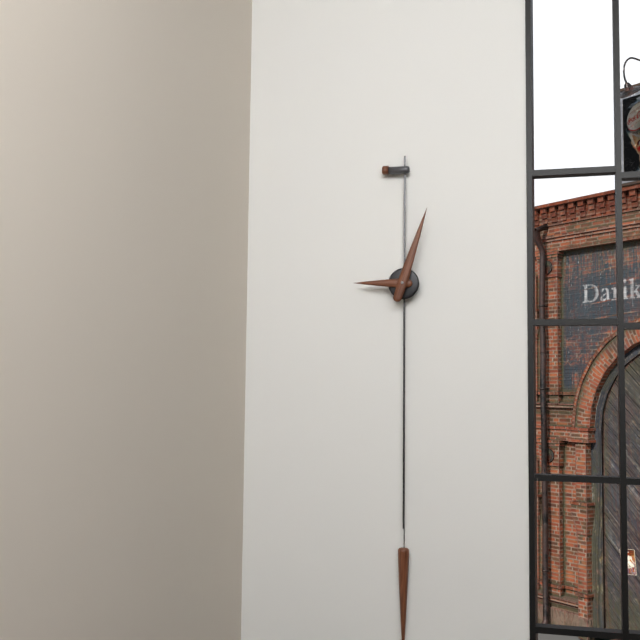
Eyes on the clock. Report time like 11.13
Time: 9.03
